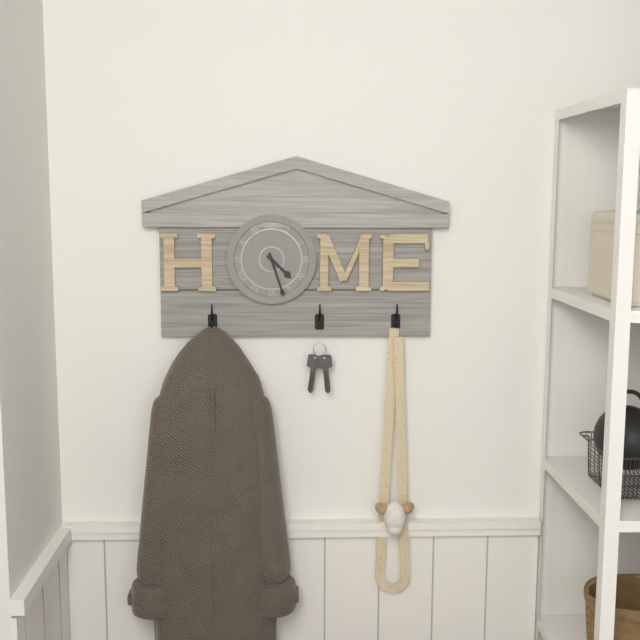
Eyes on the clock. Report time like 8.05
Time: 4.27
